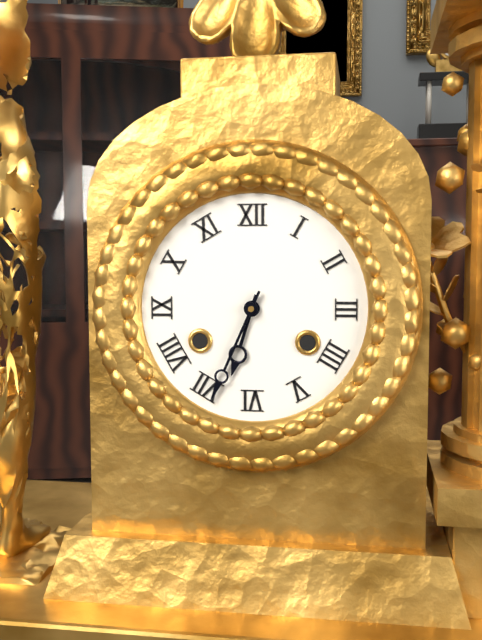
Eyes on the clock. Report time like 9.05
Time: 6.34
